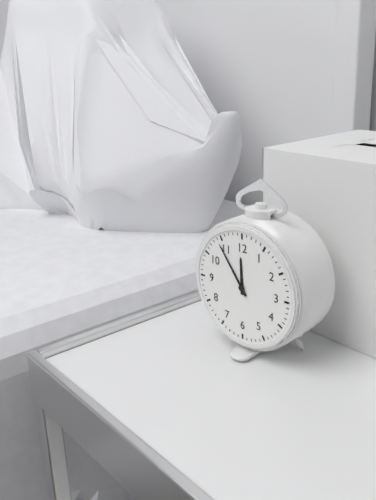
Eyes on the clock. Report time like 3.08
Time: 11.54
